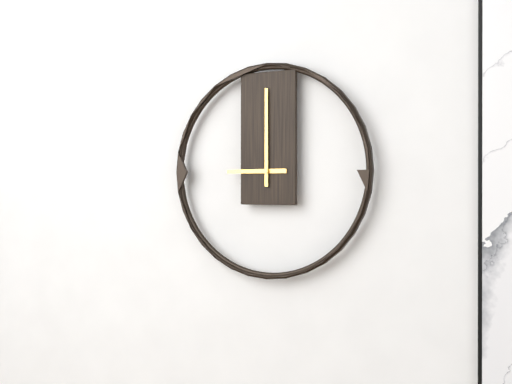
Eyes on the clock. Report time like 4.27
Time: 9.00
